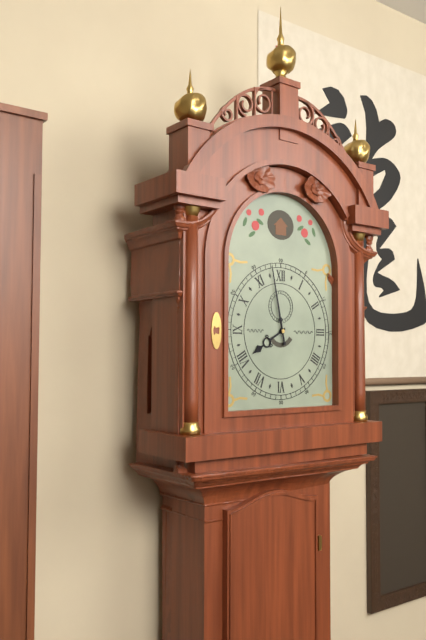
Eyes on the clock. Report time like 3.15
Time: 7.58
